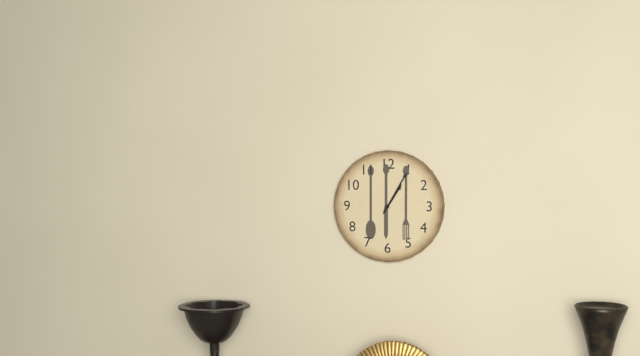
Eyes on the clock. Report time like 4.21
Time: 1.05
